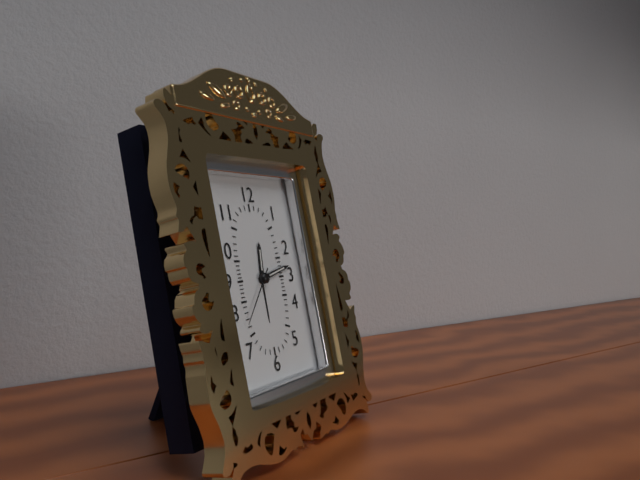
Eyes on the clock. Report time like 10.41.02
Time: 12.13.37
